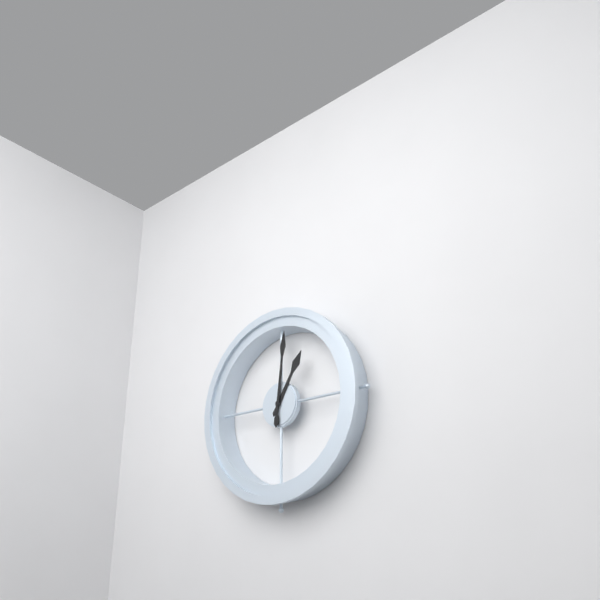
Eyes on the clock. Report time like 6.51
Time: 1.01
